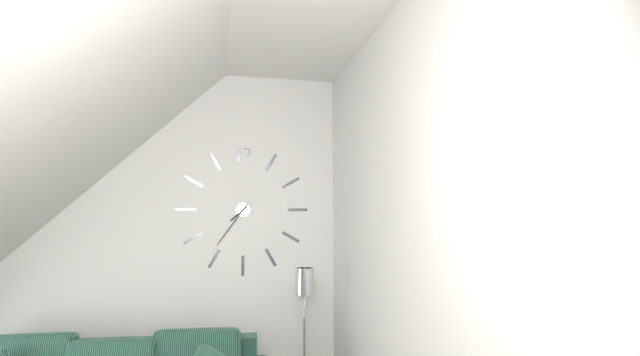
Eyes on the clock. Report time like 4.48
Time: 7.36
